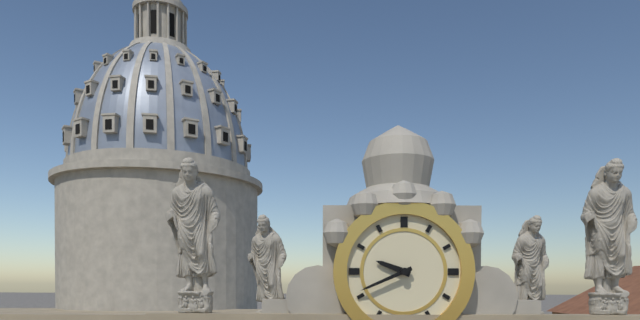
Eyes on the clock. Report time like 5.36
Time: 9.41
